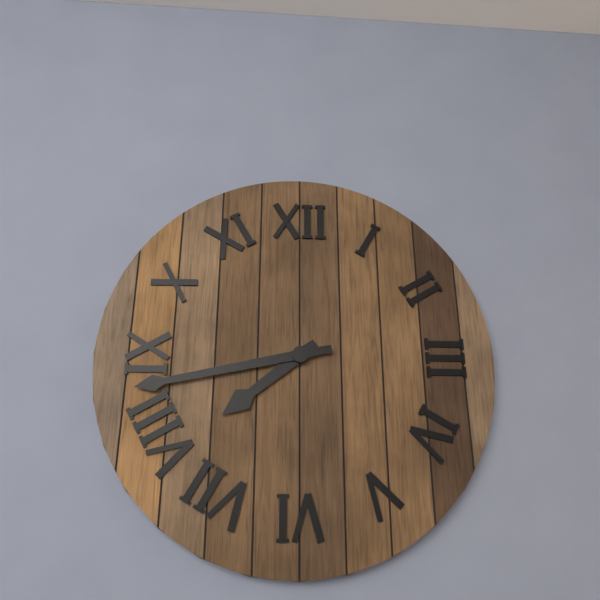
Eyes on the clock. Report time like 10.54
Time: 7.43
